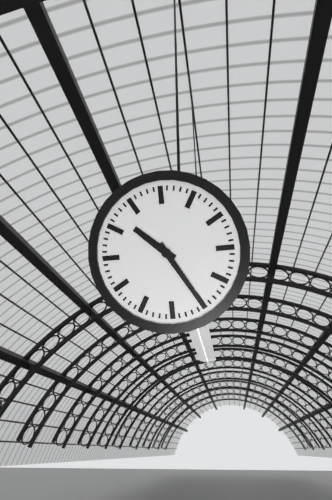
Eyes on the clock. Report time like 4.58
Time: 10.25
